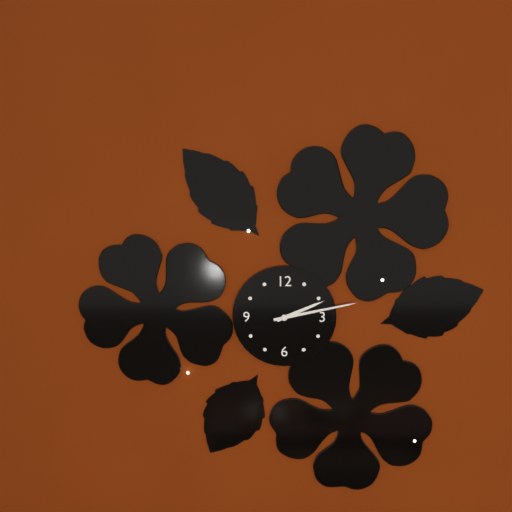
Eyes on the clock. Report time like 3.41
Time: 2.13
